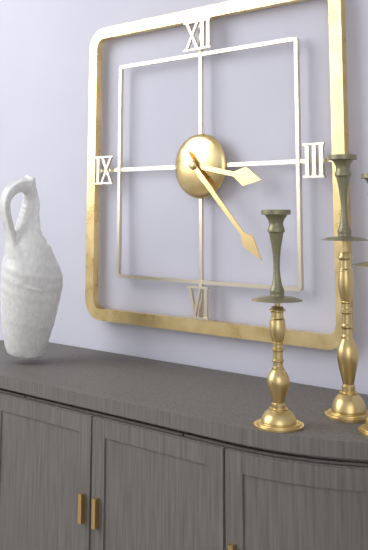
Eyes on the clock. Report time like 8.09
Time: 3.23
